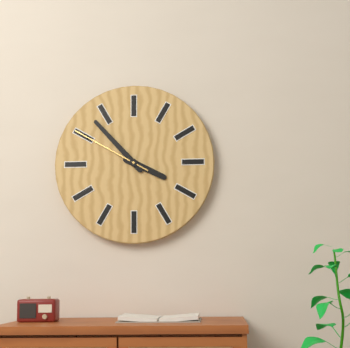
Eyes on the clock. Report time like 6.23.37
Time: 3.53.50
